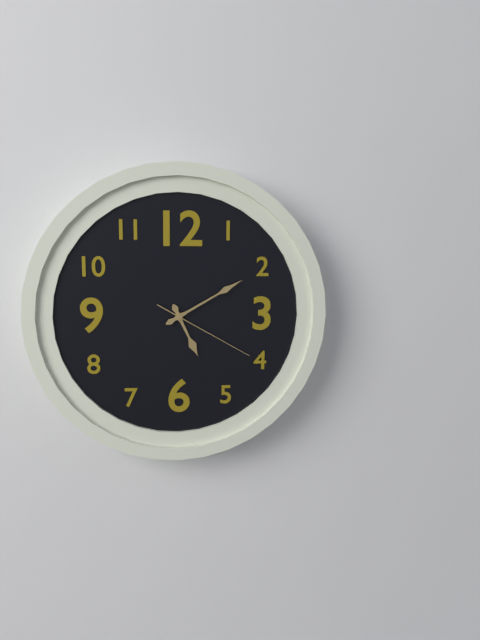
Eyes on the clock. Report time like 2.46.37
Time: 5.10.20
